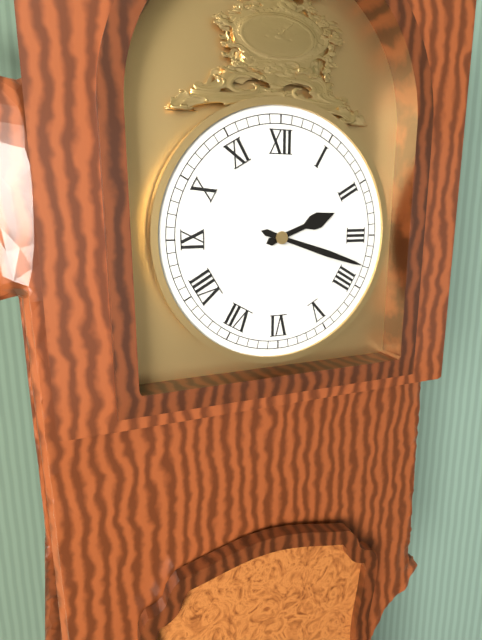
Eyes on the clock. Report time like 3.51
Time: 2.18
